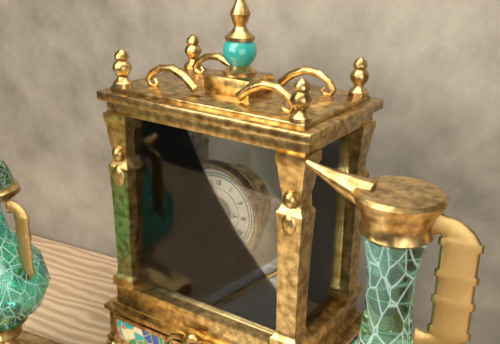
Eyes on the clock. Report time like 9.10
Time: 2.58
